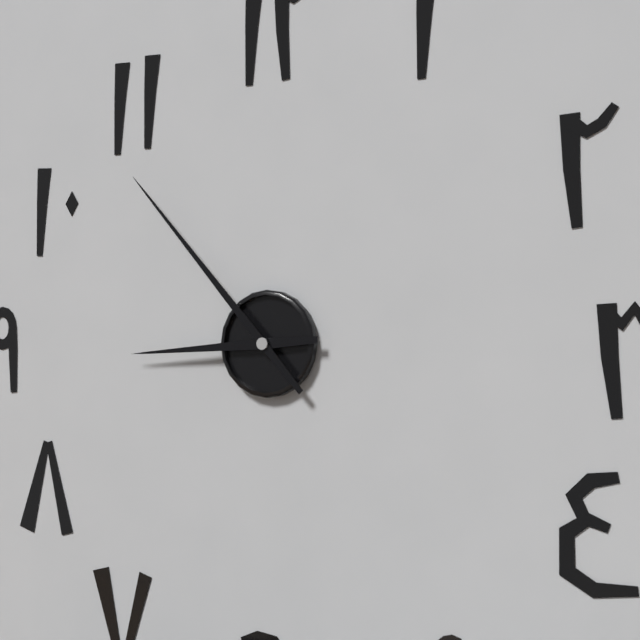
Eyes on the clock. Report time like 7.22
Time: 8.53
